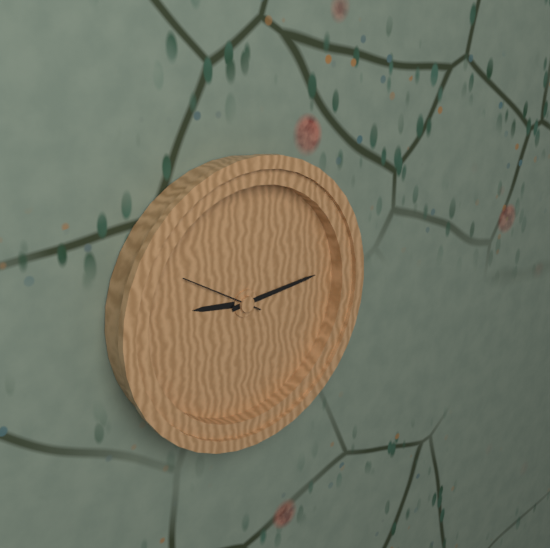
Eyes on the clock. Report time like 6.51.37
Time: 9.14.50
